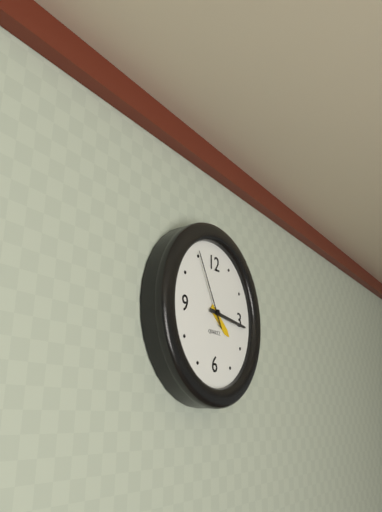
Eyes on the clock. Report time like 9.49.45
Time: 4.16.55
